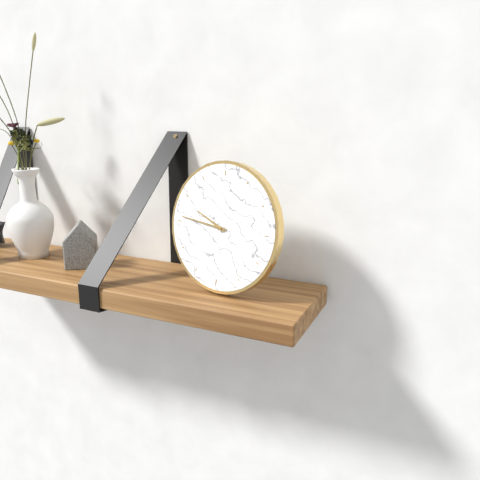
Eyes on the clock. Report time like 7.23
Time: 9.46
